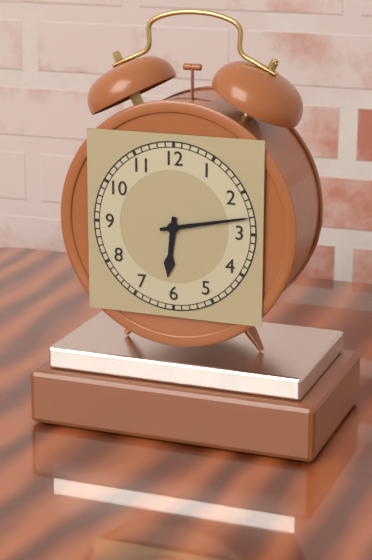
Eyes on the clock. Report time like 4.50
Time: 6.13
